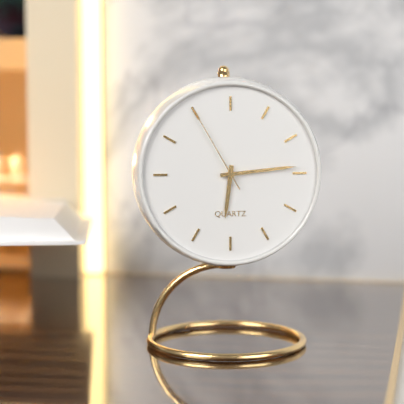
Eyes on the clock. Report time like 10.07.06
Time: 6.14.55
